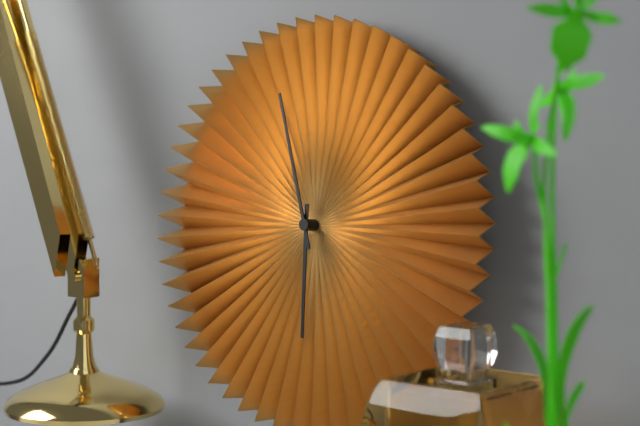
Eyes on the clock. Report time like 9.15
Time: 5.57
